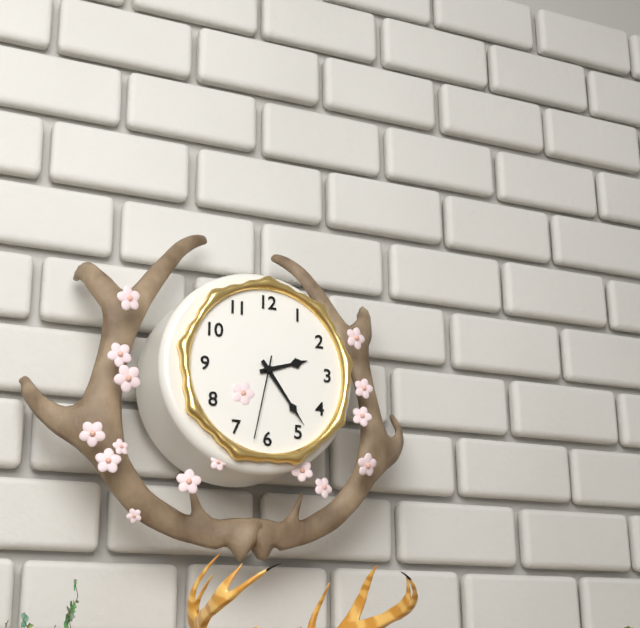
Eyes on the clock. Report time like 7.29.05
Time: 2.24.32
